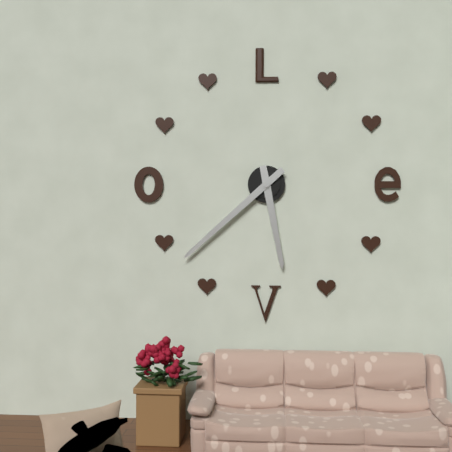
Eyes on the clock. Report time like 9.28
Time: 5.38
